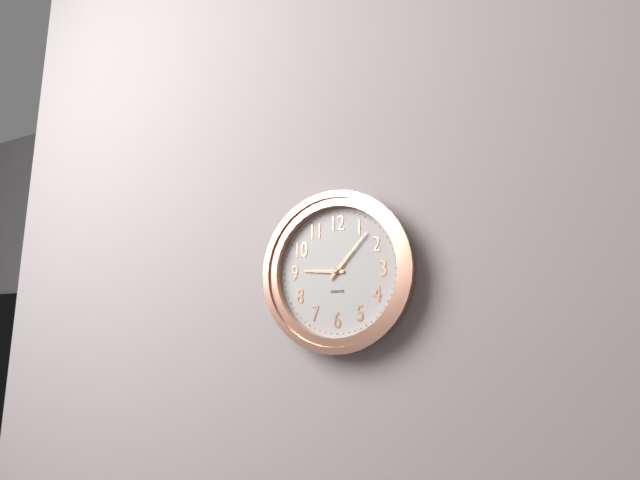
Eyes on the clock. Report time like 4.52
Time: 9.07
